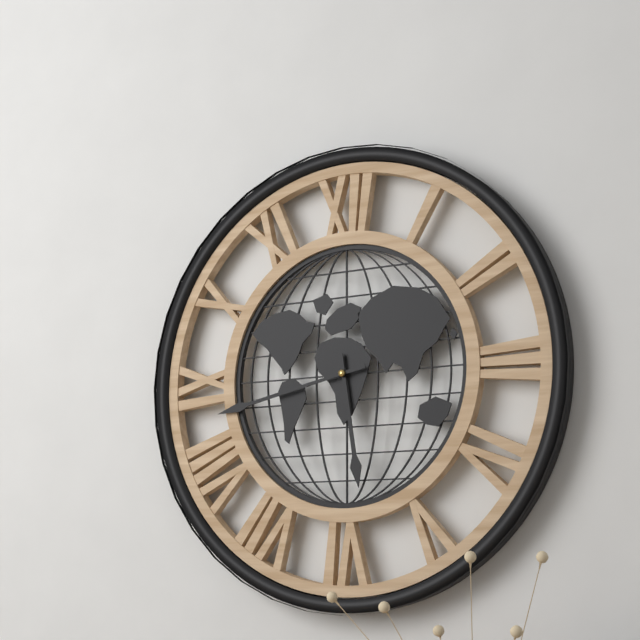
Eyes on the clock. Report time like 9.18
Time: 5.43
